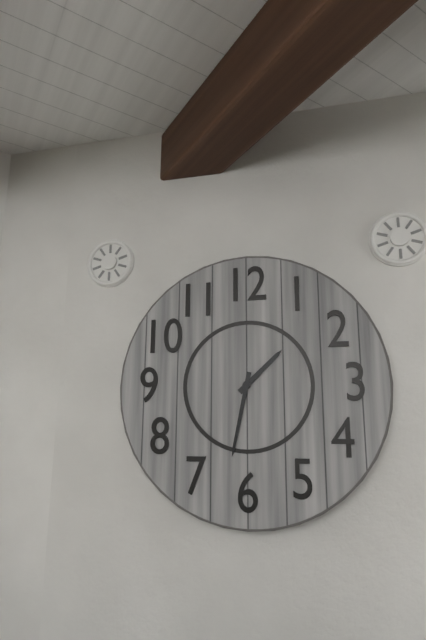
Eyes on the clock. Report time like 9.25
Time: 1.32
